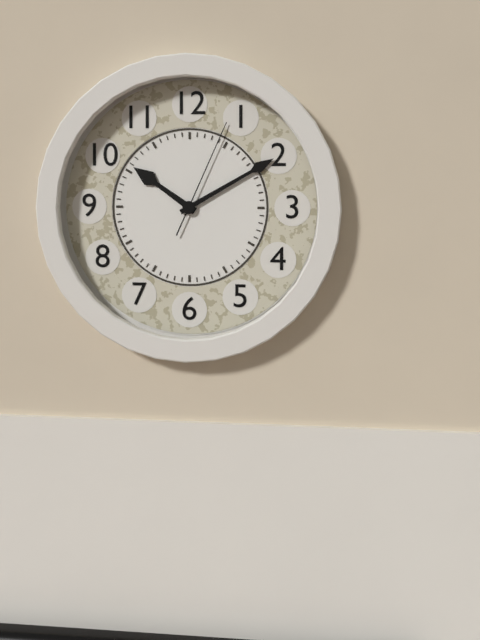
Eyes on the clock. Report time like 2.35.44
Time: 10.10.04
